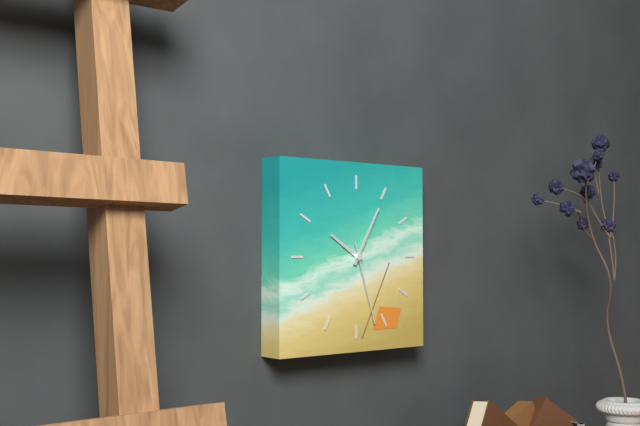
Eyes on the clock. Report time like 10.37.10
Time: 10.05.27
